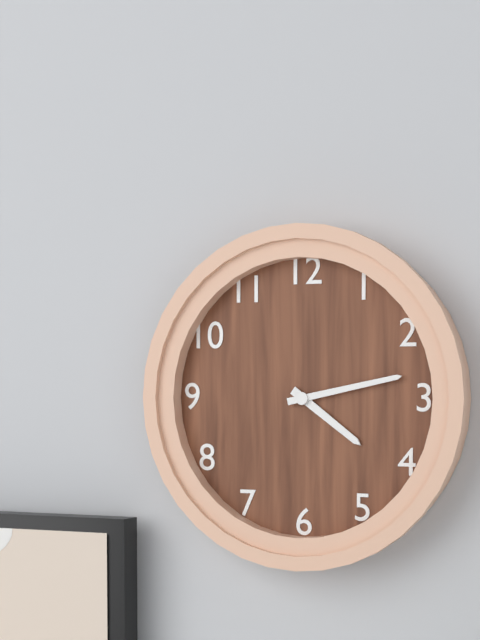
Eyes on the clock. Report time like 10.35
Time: 4.13
